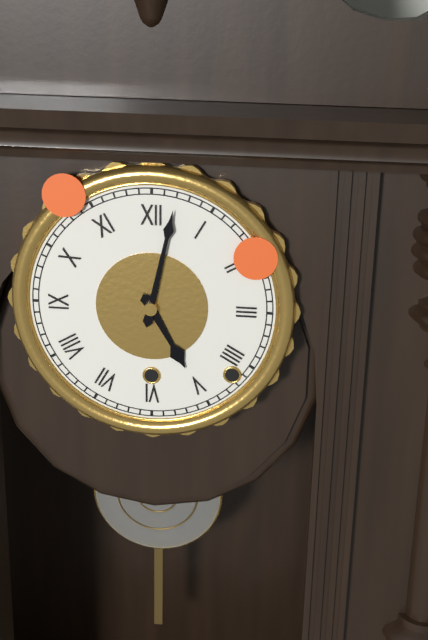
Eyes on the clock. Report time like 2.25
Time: 5.02
